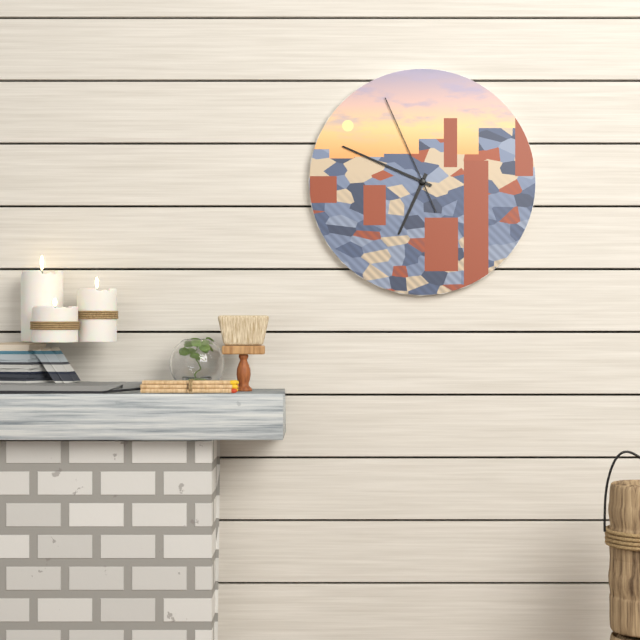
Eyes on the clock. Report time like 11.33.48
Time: 6.49.56
